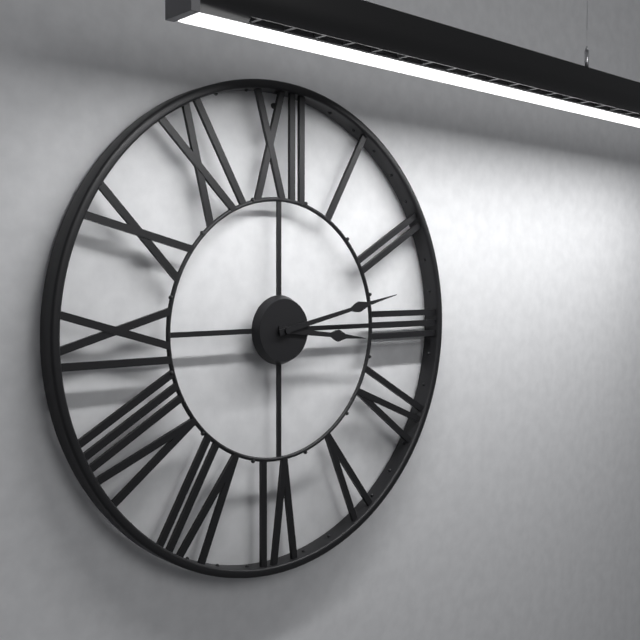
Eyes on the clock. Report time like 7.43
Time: 3.13
